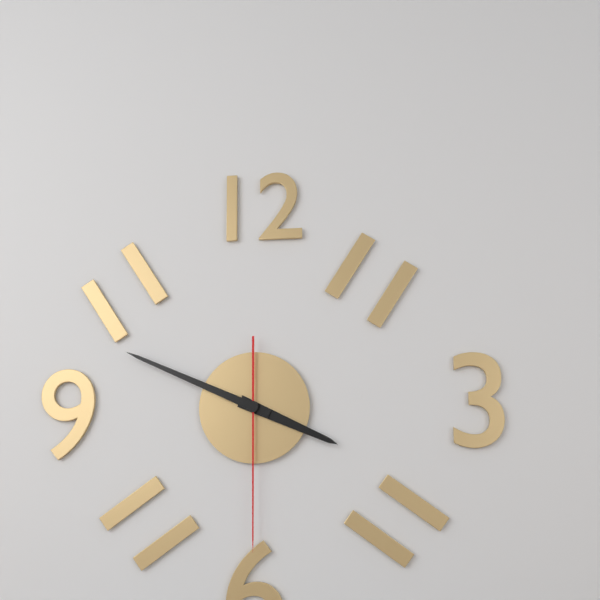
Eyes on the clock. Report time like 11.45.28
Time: 3.49.30
